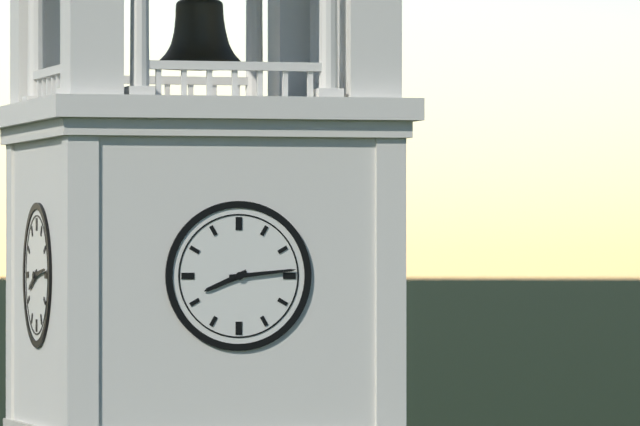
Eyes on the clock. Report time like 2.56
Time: 8.14
